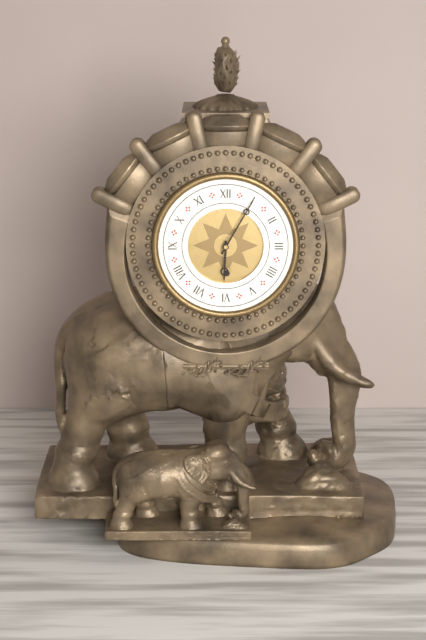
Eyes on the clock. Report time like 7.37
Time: 6.05
